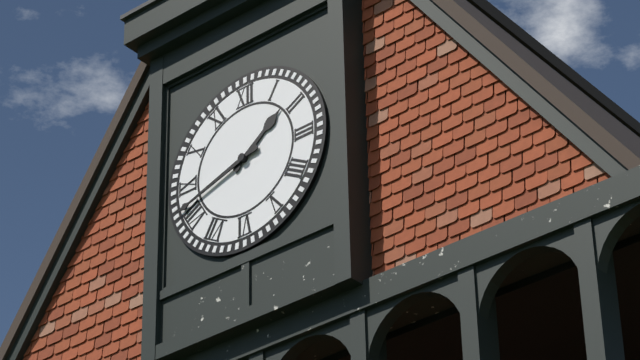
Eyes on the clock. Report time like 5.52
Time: 1.42
